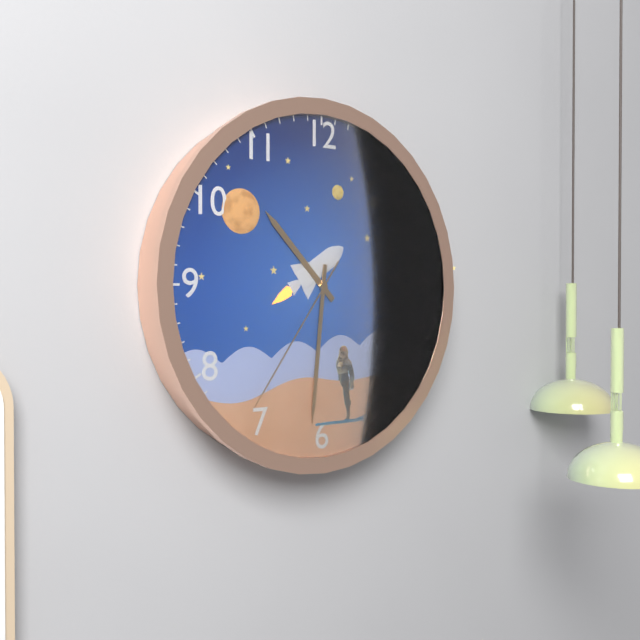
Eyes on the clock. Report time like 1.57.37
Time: 10.31.36
